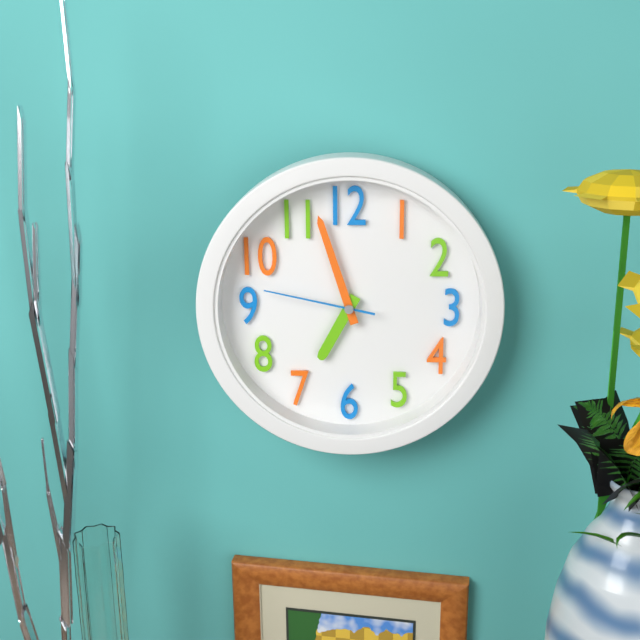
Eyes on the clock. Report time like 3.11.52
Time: 6.57.47
